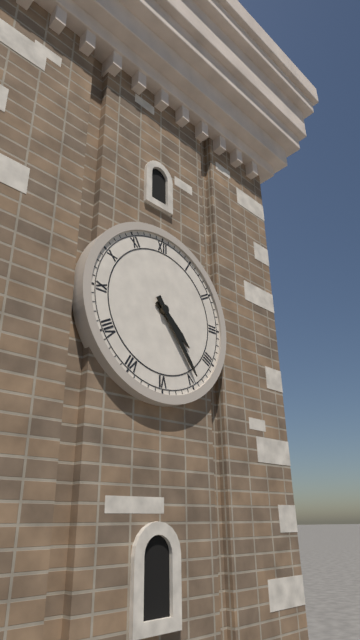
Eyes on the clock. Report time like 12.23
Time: 4.24
